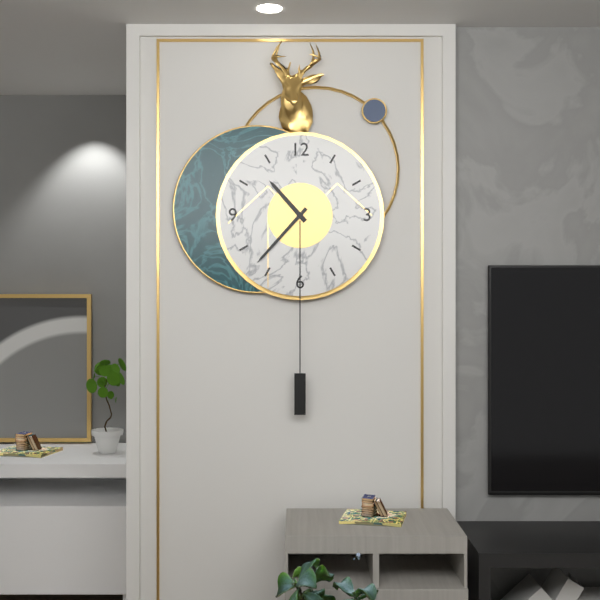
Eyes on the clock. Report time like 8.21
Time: 10.37
